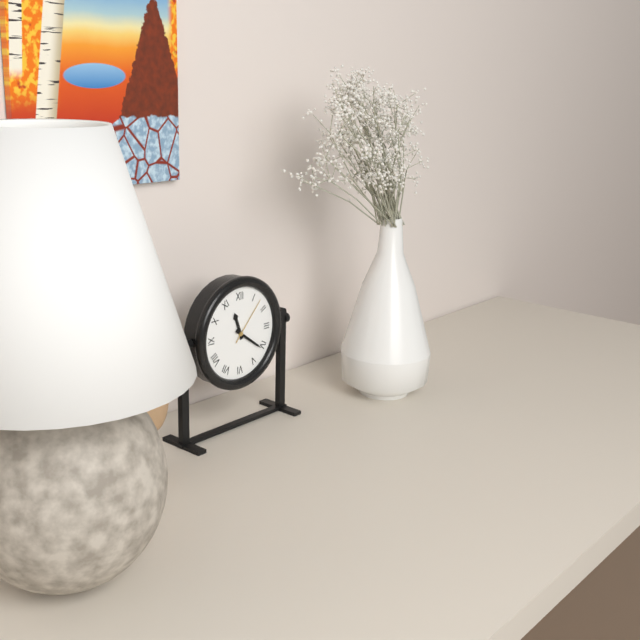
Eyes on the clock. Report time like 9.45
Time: 11.21
